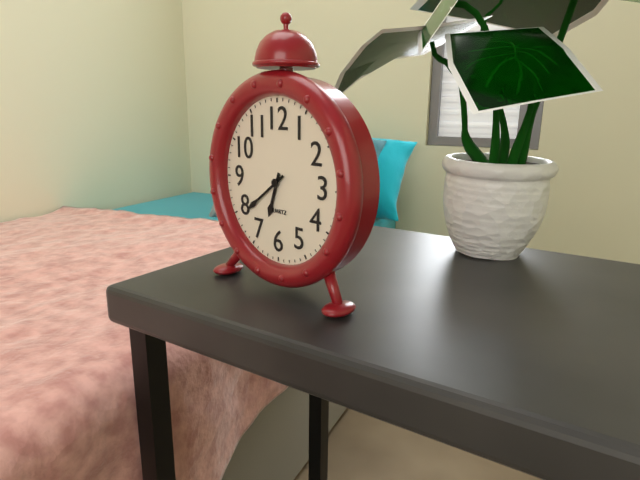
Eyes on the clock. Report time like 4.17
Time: 6.39
